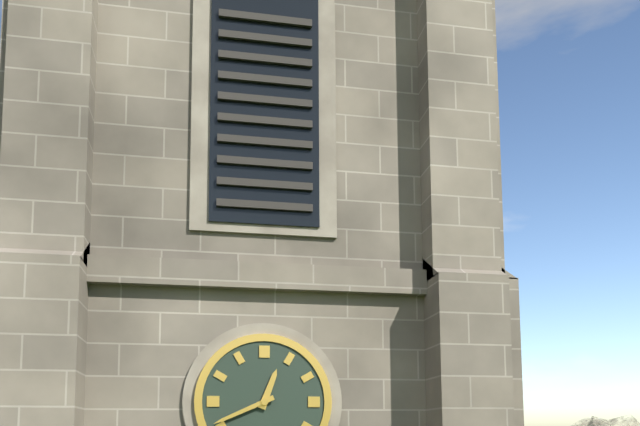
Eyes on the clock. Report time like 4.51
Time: 12.41
